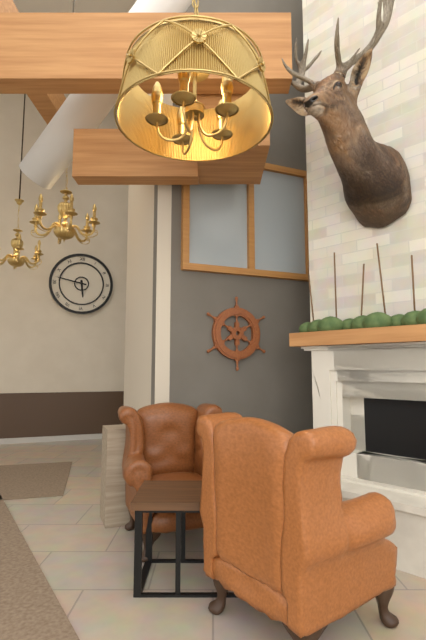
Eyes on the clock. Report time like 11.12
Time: 5.47
